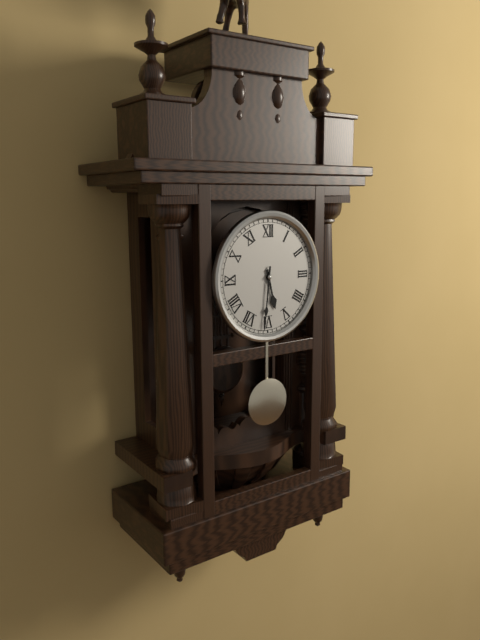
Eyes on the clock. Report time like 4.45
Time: 5.31
